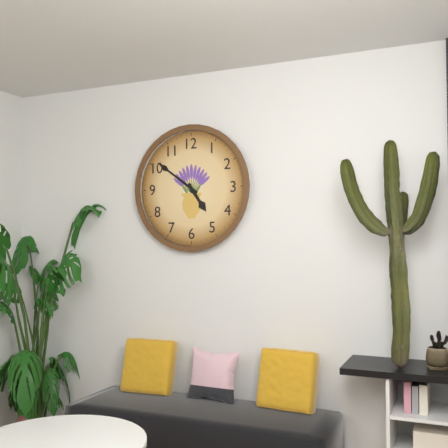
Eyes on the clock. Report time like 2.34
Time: 4.51
